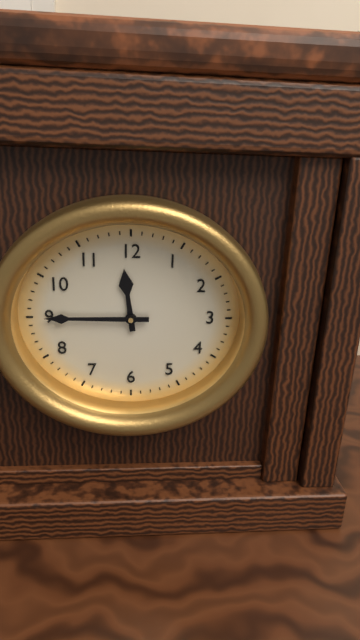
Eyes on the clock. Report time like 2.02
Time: 11.45
